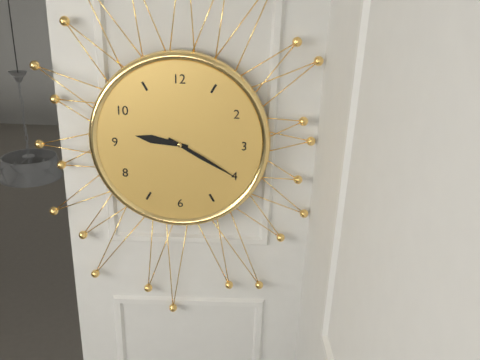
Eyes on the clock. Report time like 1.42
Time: 9.20
